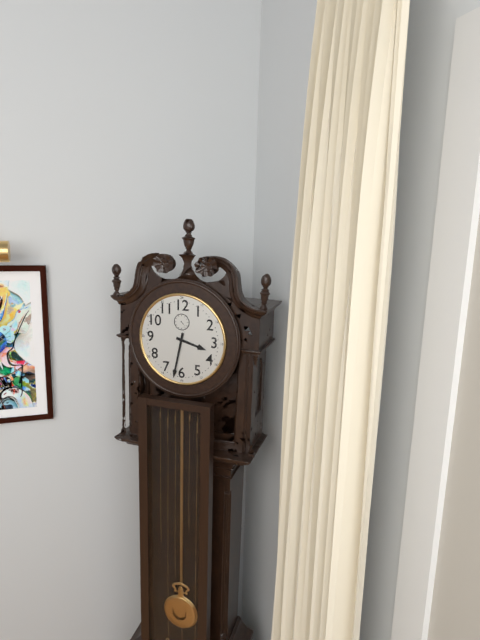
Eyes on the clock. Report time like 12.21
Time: 3.32
